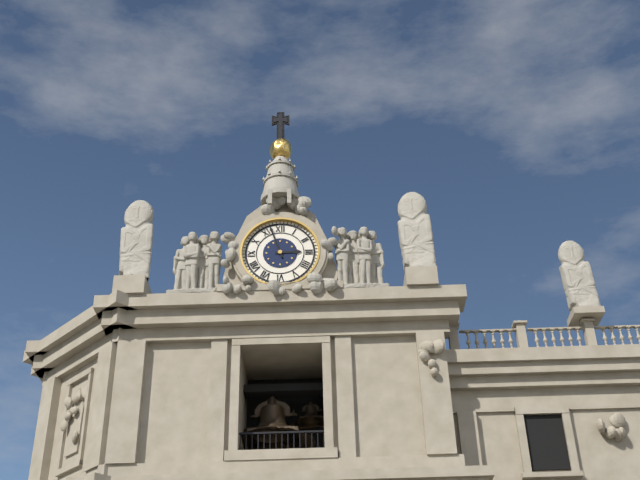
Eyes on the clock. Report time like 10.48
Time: 2.57
